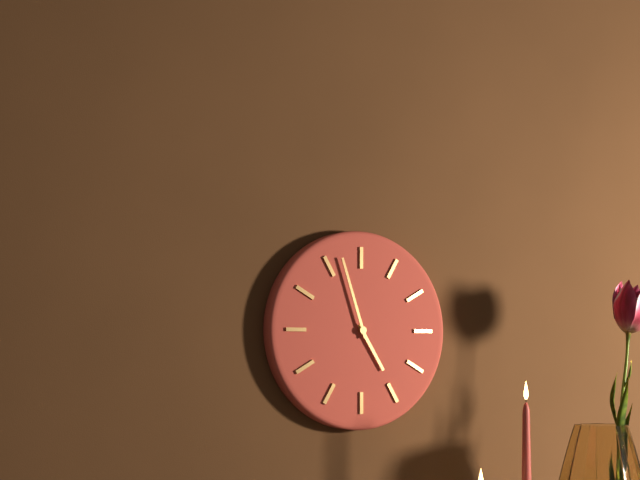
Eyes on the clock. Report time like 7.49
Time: 4.57
